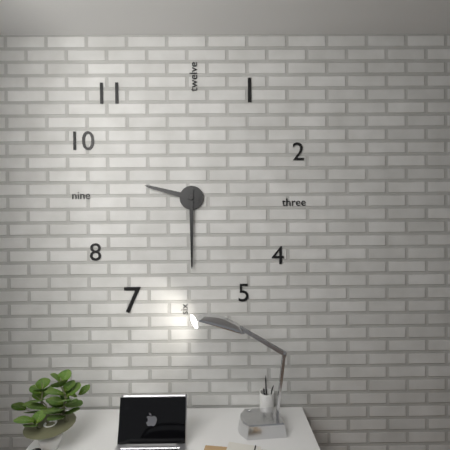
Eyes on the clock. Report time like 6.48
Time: 9.30
